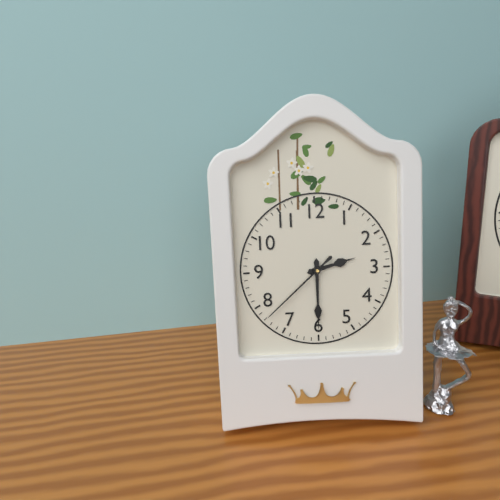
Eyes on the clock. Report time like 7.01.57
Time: 2.30.38
